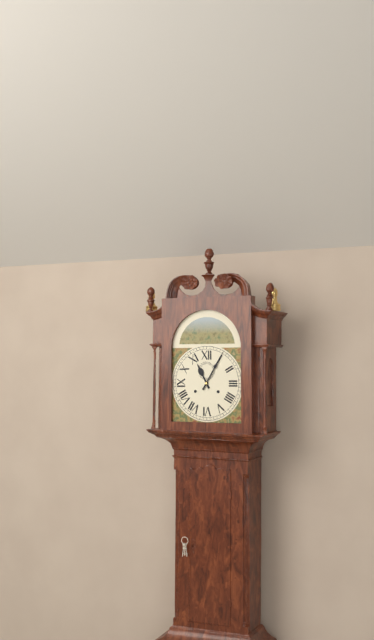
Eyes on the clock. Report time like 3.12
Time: 11.05
